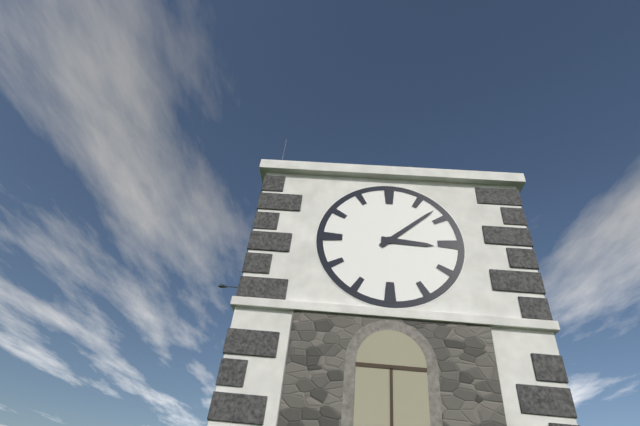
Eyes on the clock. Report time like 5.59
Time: 3.08
